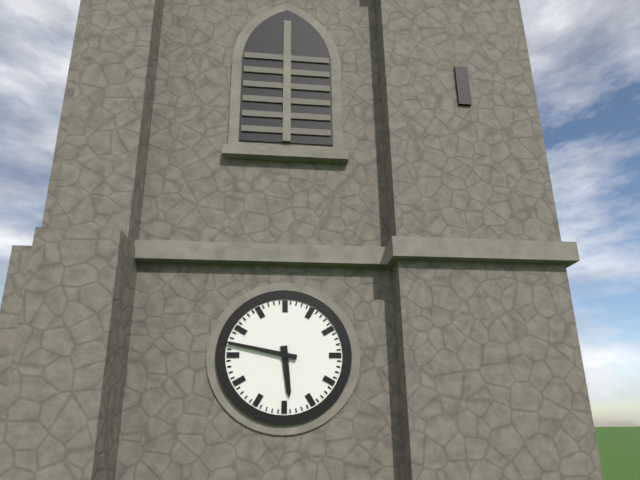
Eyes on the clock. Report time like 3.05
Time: 5.47
